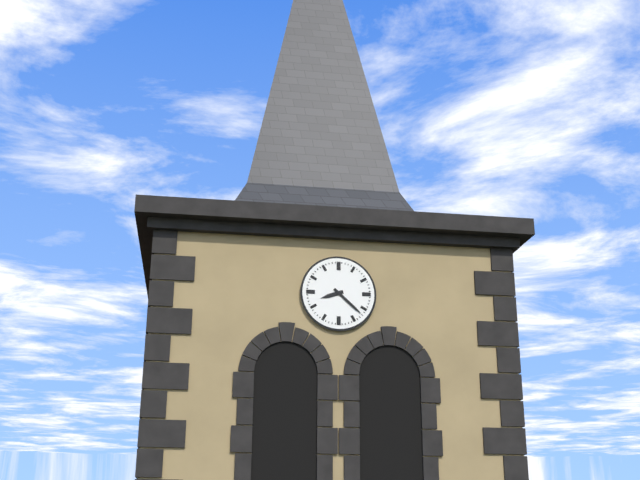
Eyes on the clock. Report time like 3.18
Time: 8.22
